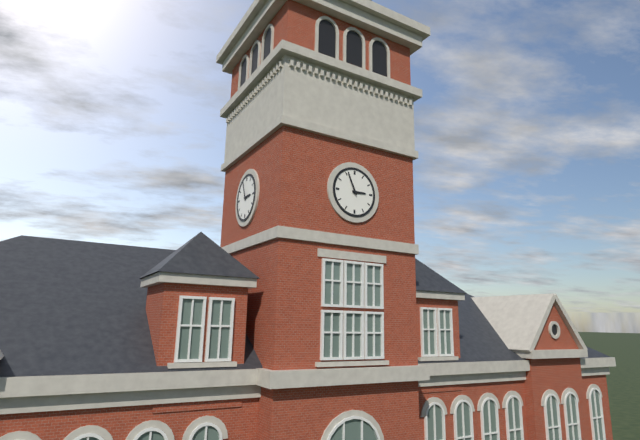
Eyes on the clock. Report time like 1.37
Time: 2.56
